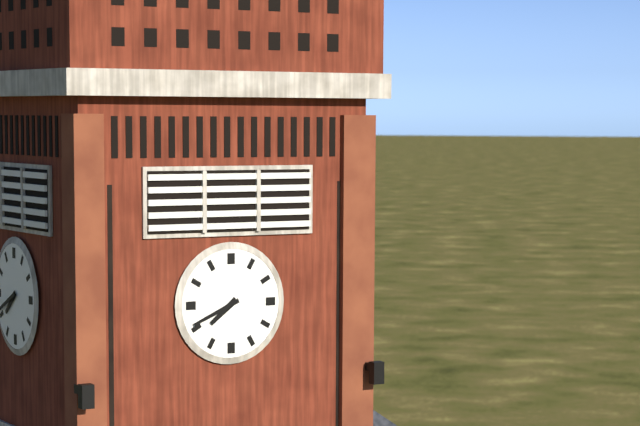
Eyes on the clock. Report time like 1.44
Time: 7.41
